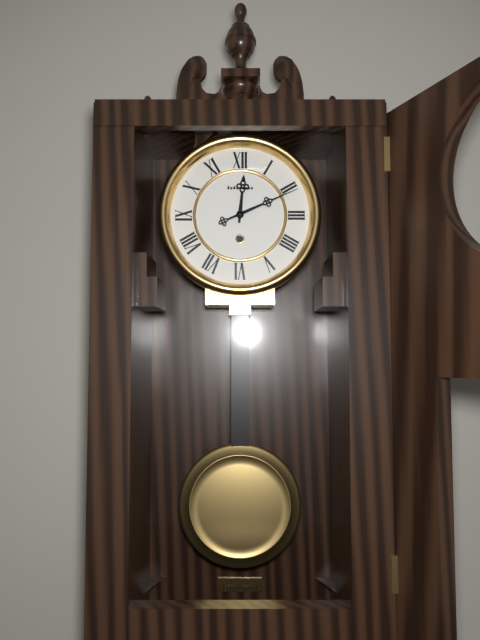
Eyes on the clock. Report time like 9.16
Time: 12.11
